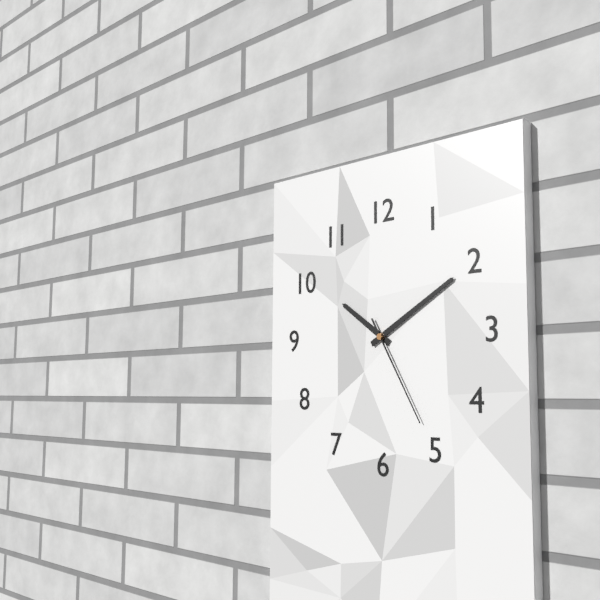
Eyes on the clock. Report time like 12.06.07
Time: 10.10.25
